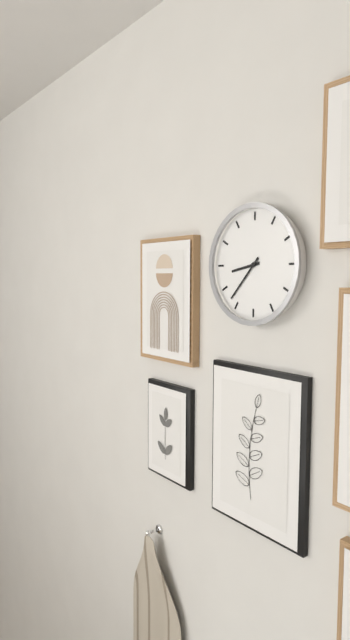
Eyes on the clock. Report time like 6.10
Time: 8.37
